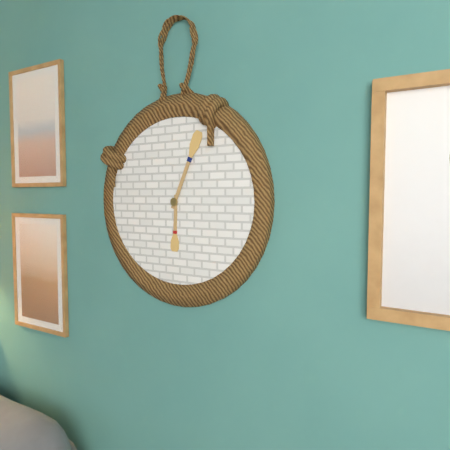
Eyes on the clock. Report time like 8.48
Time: 6.04
